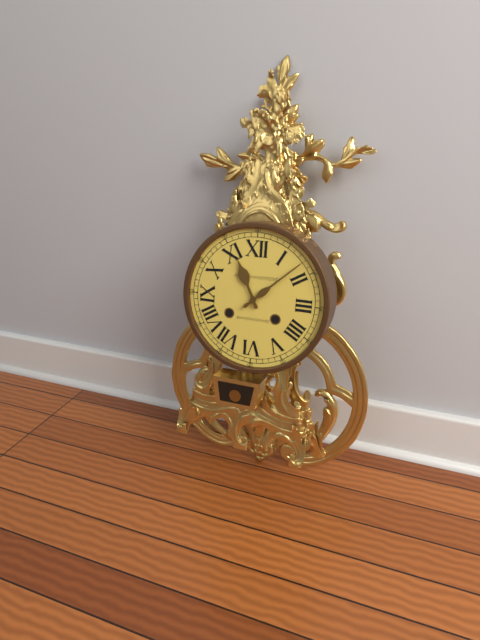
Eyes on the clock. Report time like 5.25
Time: 11.08
